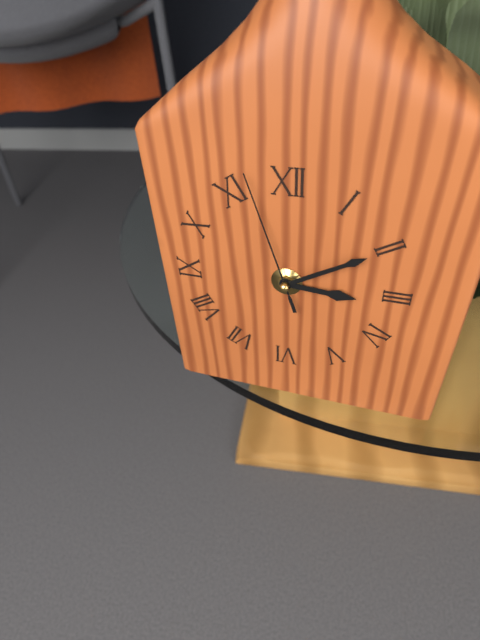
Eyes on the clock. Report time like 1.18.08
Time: 3.10.57
